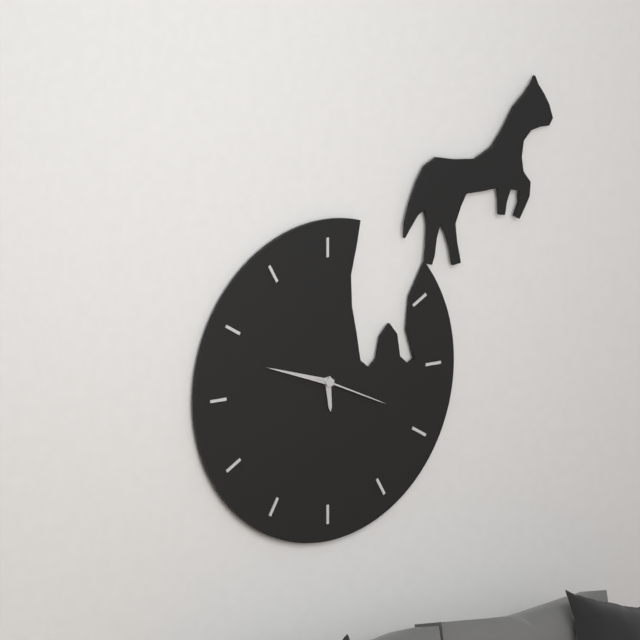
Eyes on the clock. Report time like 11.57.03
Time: 5.48.19
